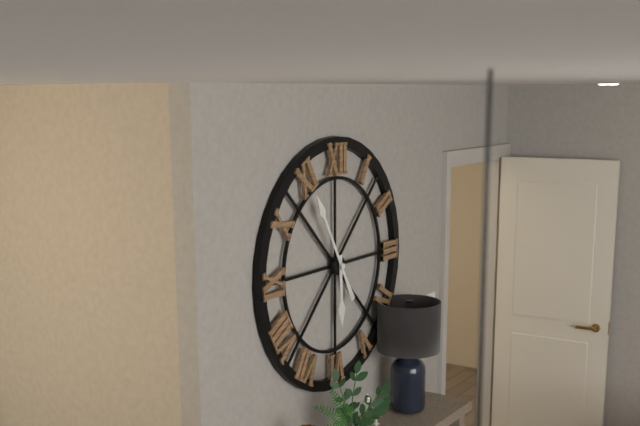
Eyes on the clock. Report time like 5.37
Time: 5.55
